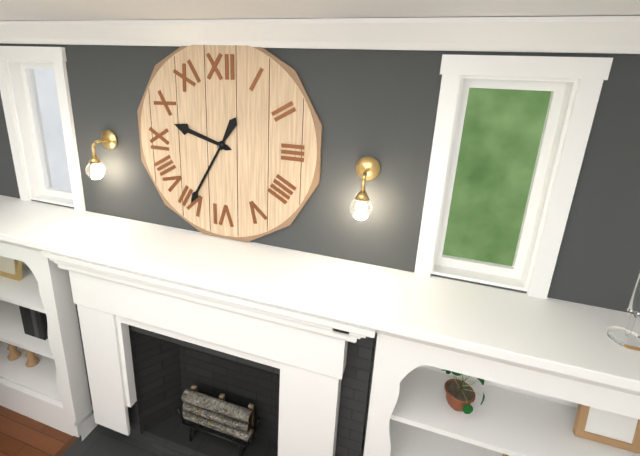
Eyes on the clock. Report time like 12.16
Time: 9.35
